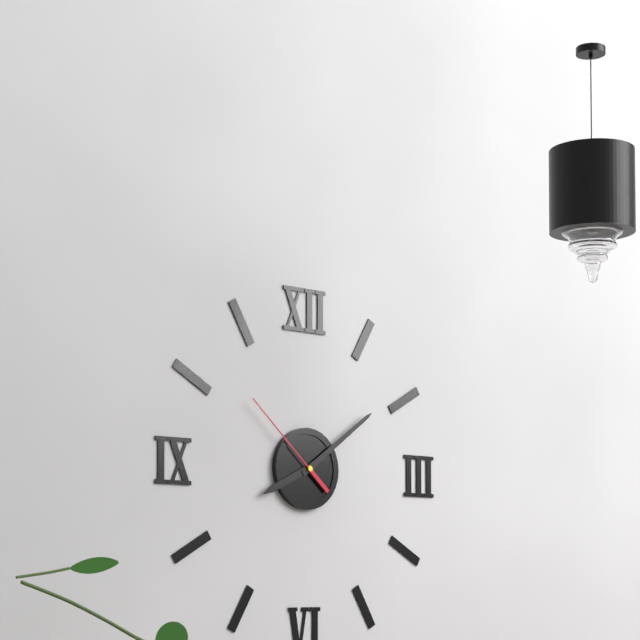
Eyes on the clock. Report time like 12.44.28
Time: 8.09.52
